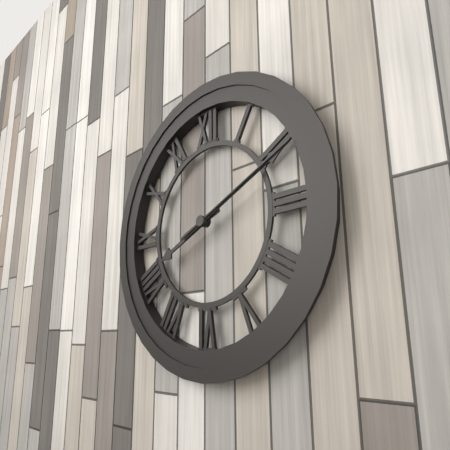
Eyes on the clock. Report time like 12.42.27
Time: 8.11.11
